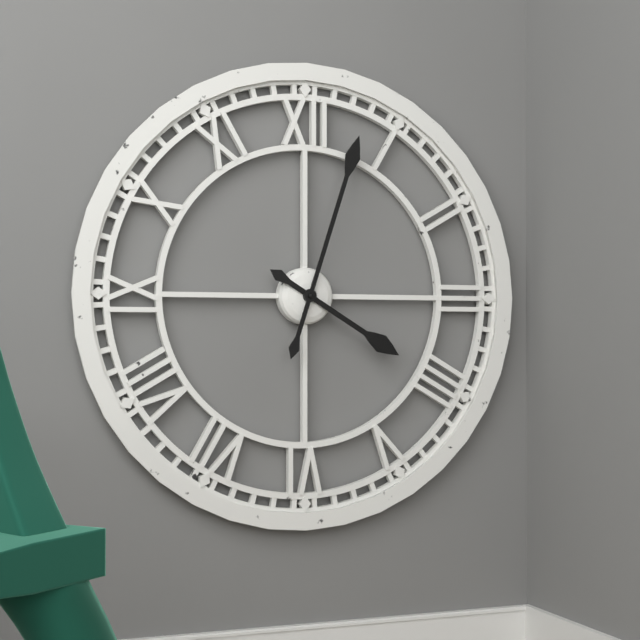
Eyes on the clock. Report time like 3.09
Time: 4.03
